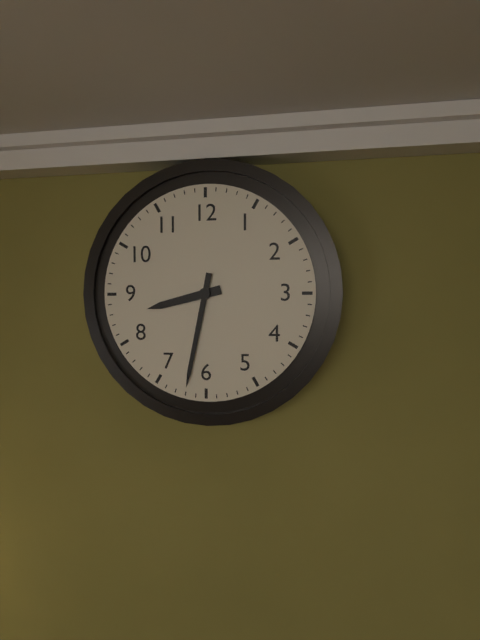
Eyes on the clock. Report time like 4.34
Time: 8.32
